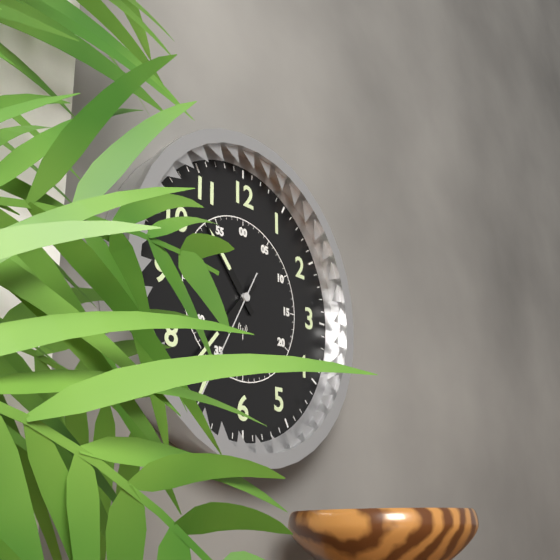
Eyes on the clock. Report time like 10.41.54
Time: 10.37.35
